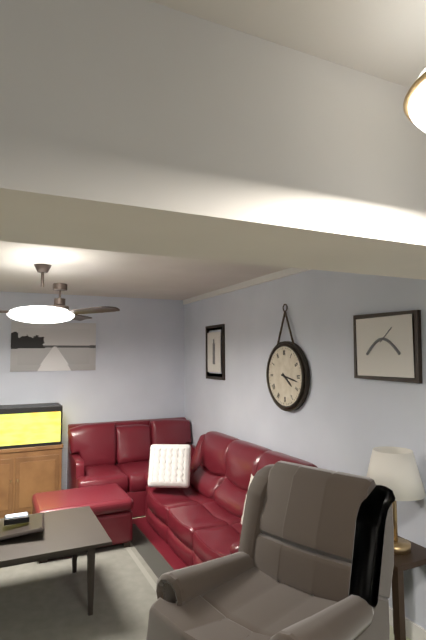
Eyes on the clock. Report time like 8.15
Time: 4.17
